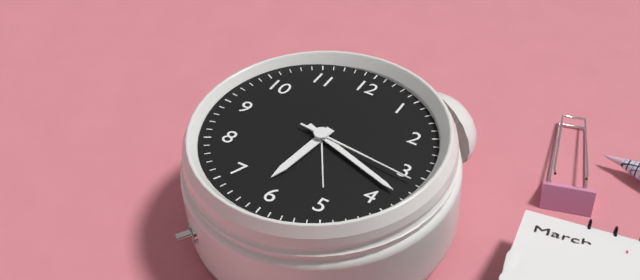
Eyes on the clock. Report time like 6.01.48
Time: 6.18.16
